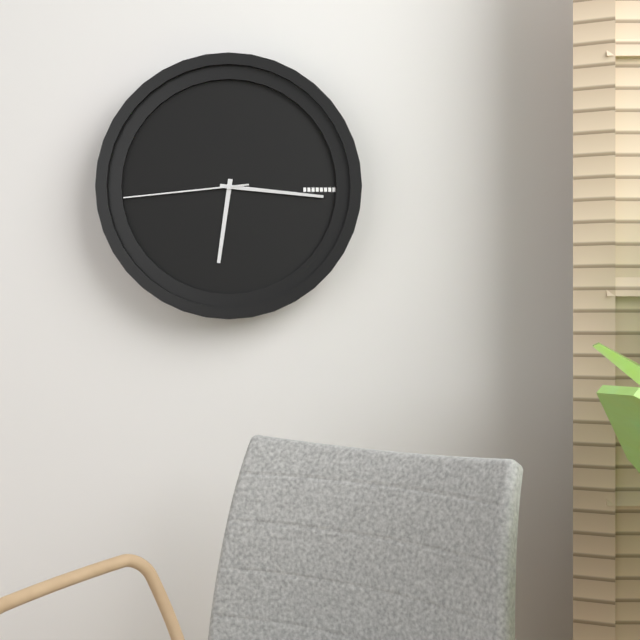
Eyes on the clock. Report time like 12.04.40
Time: 6.16.44
